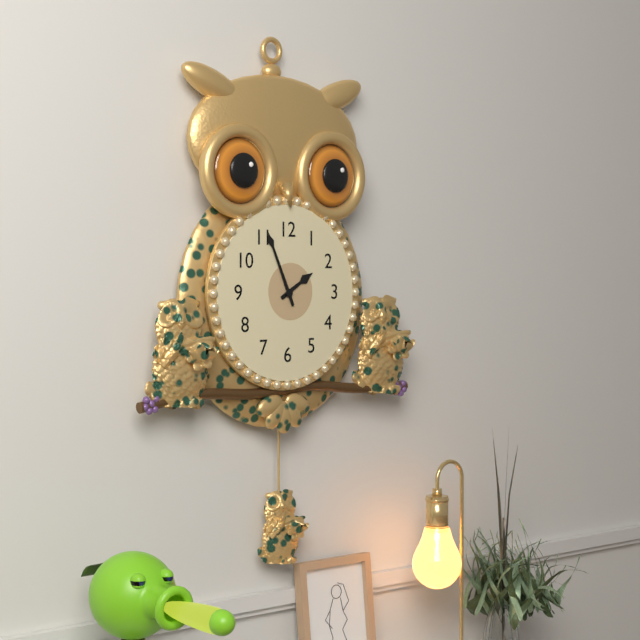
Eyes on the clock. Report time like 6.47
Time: 1.56
